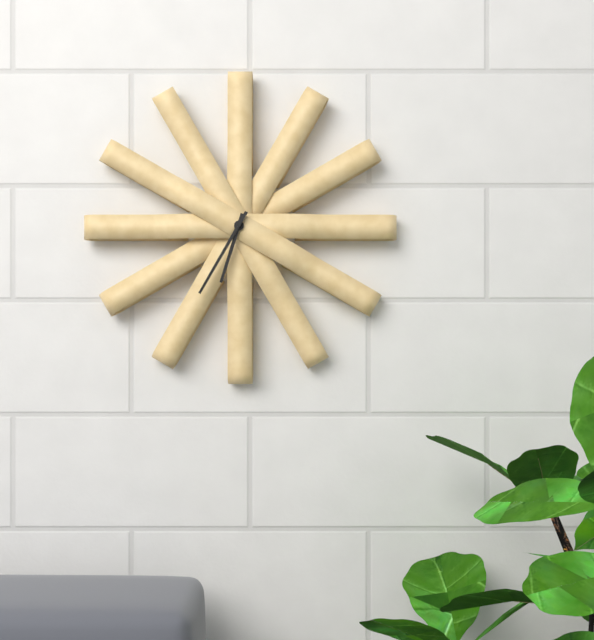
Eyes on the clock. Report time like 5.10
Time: 6.35
